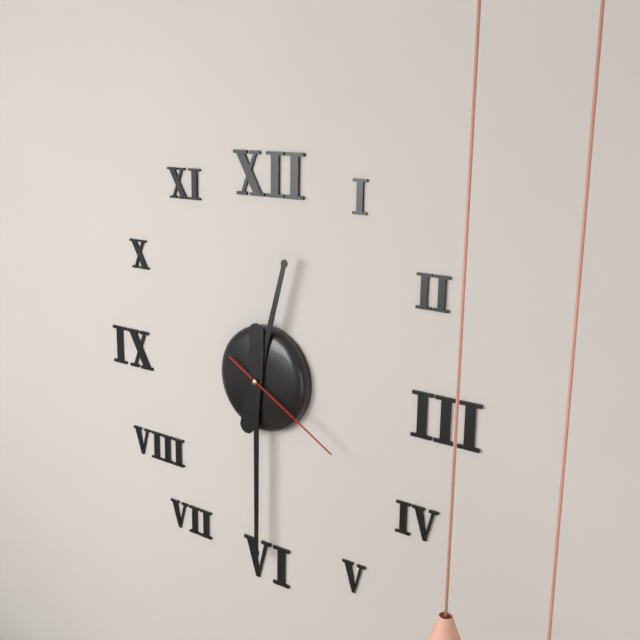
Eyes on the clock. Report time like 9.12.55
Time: 12.30.20
